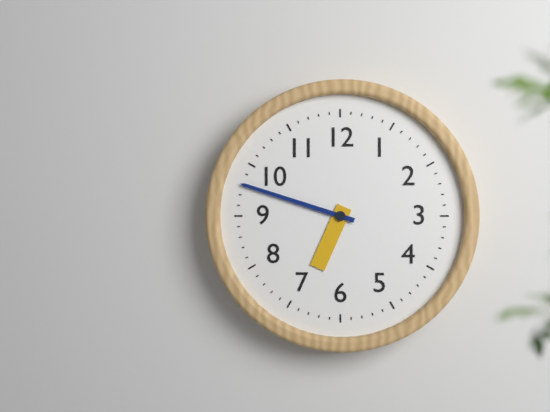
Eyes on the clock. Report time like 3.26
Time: 6.48
